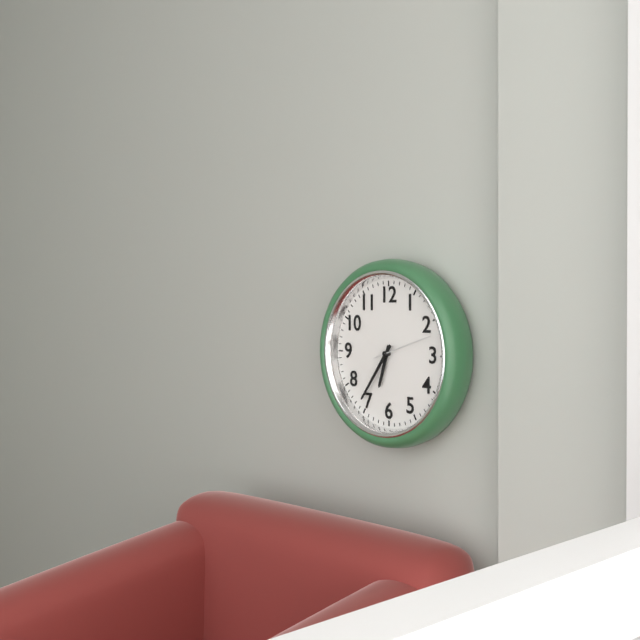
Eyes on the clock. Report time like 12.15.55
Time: 6.36.12
